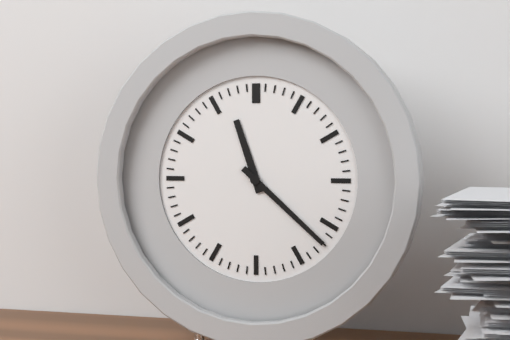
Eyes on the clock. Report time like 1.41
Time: 11.22
